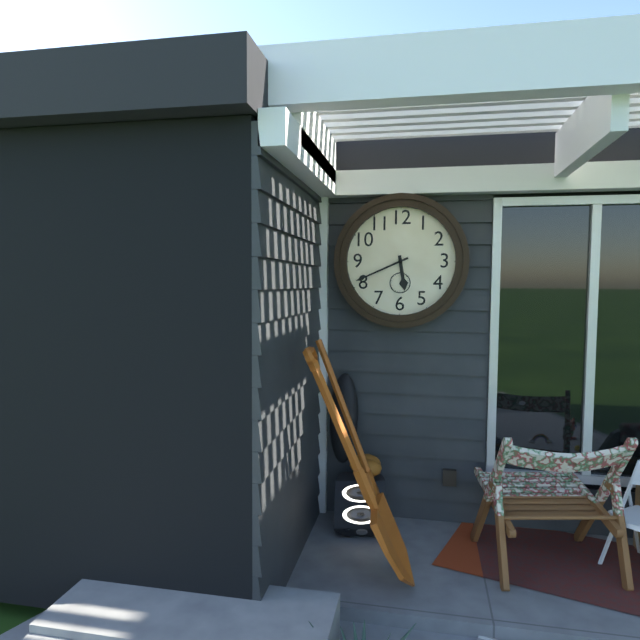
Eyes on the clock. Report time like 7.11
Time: 5.41
